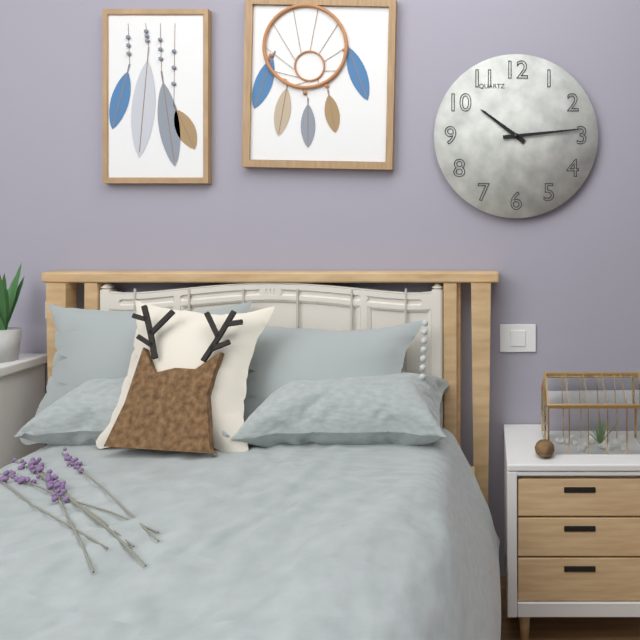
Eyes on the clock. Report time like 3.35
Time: 10.14
